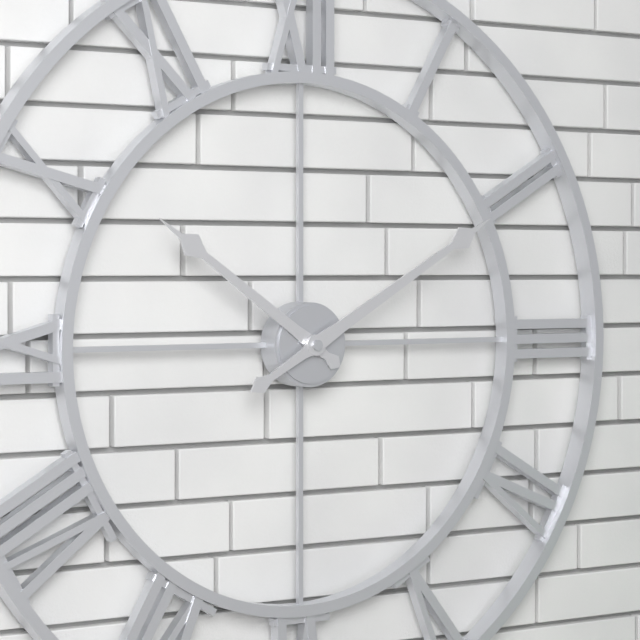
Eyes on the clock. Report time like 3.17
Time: 10.10
